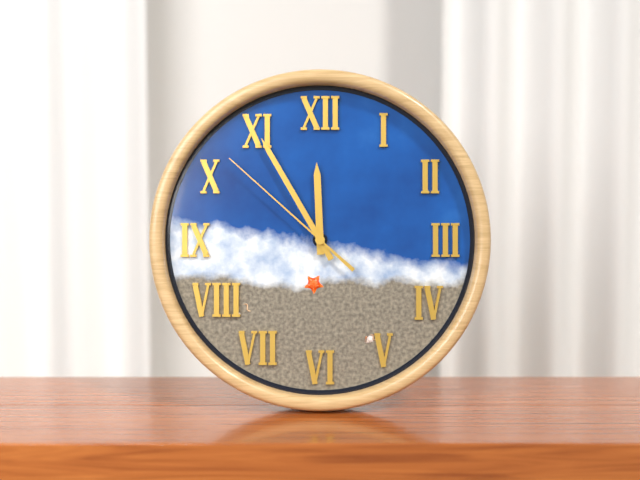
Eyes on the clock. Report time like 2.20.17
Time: 11.55.52
